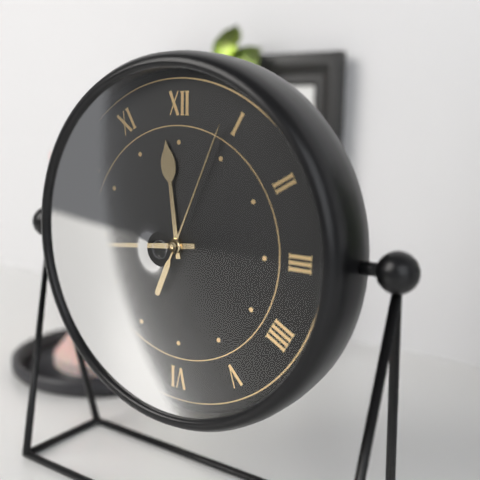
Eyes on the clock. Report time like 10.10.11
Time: 11.44.04
